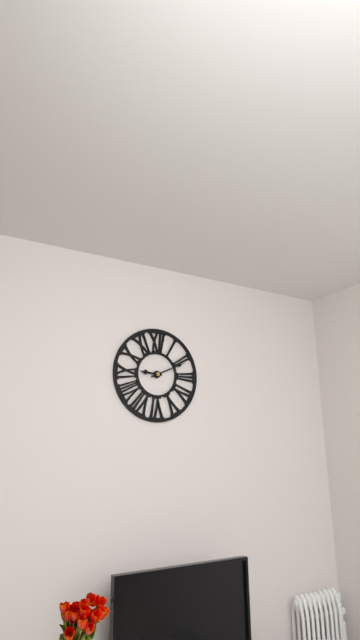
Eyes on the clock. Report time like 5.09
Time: 9.11
